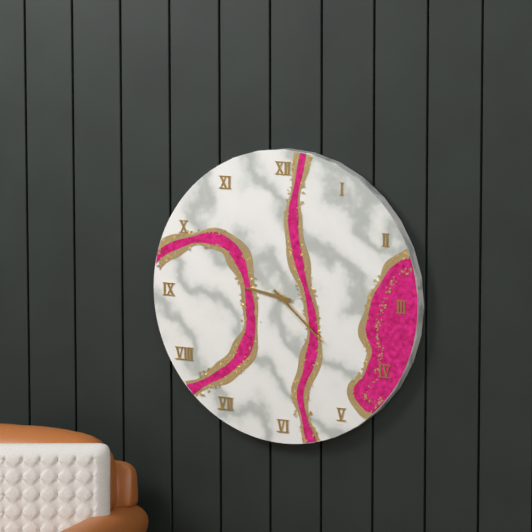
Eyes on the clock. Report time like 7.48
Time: 9.22
